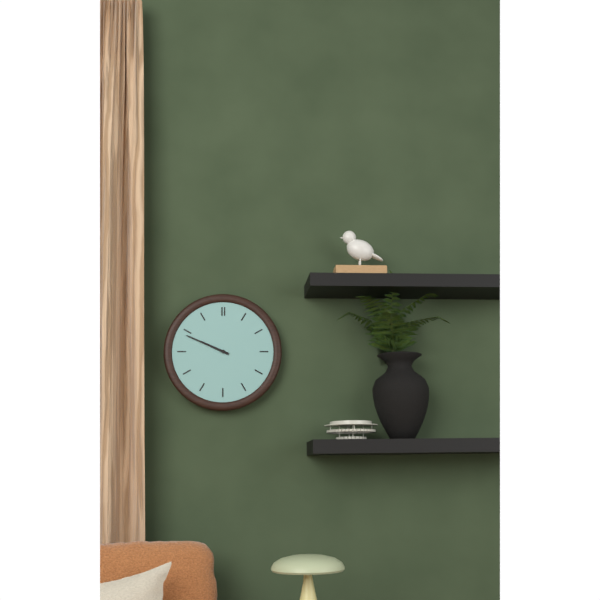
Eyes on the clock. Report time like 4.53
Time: 9.49
